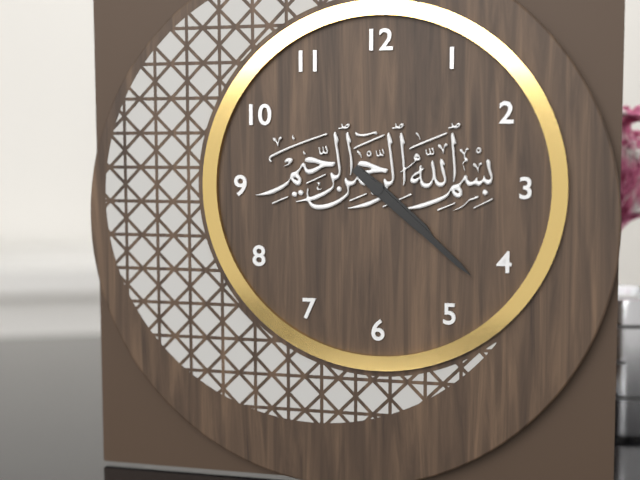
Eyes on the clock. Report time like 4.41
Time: 4.22
